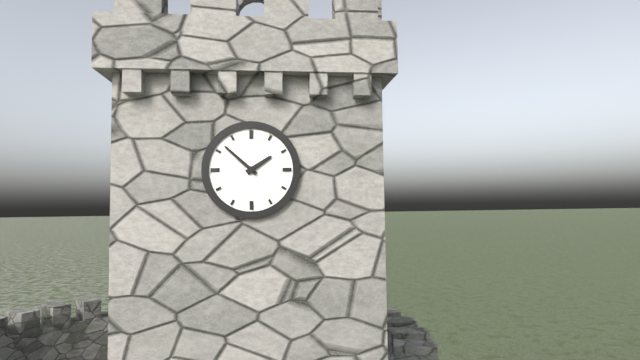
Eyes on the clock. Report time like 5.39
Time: 1.52
